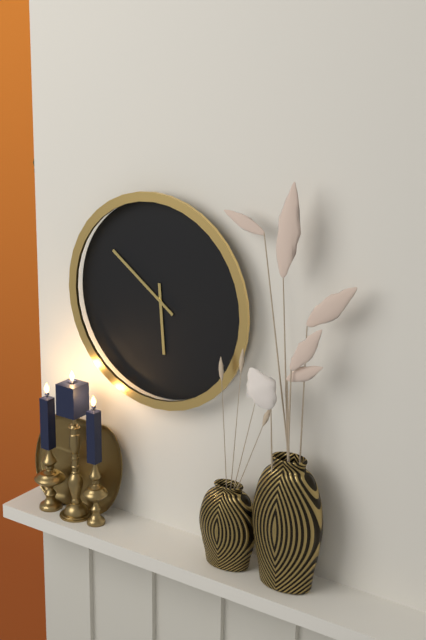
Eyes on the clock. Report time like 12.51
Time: 5.51
